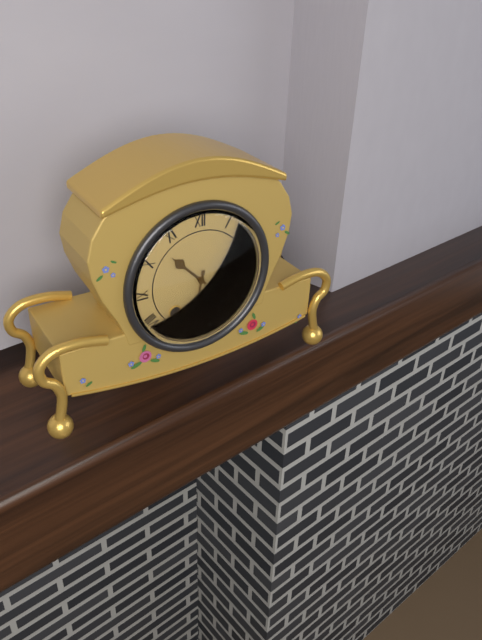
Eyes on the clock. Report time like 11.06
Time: 10.32
